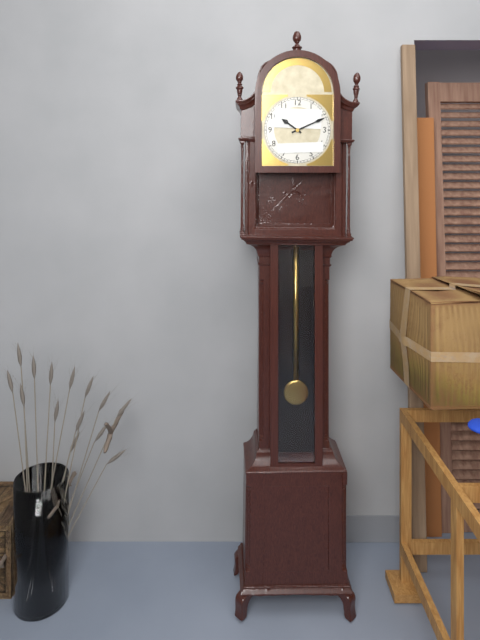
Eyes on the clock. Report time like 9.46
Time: 10.11
